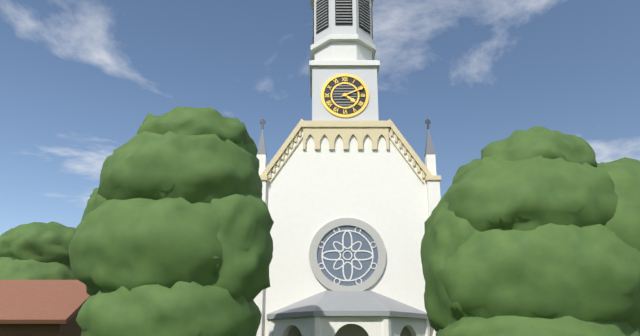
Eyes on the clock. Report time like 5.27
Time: 4.11
